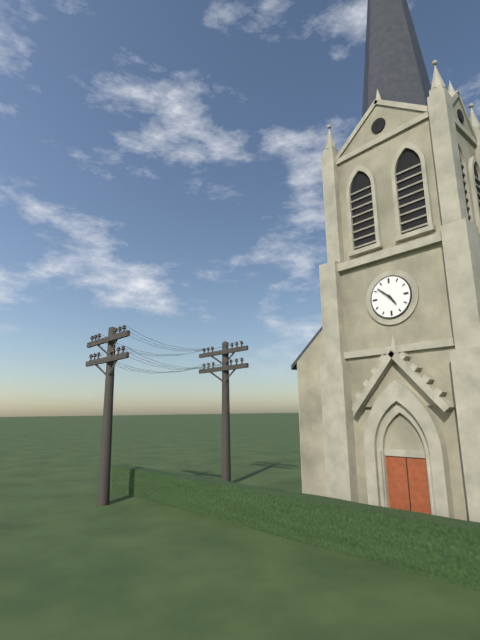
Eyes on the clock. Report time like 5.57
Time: 4.52
